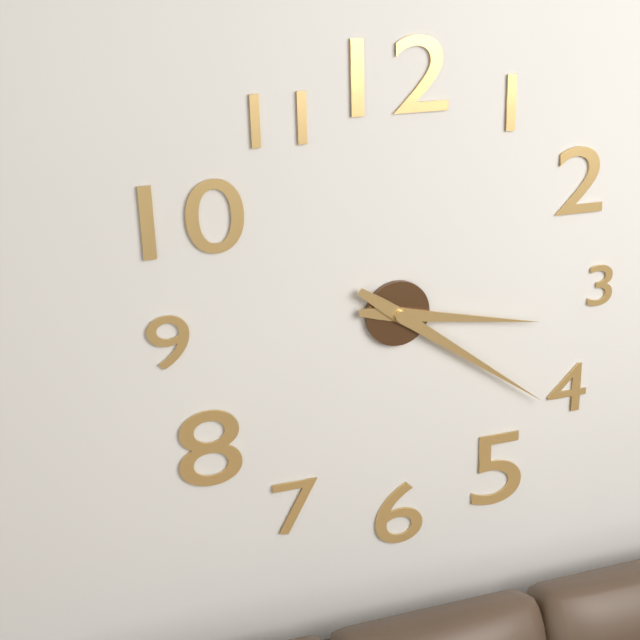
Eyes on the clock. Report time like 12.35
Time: 3.21
